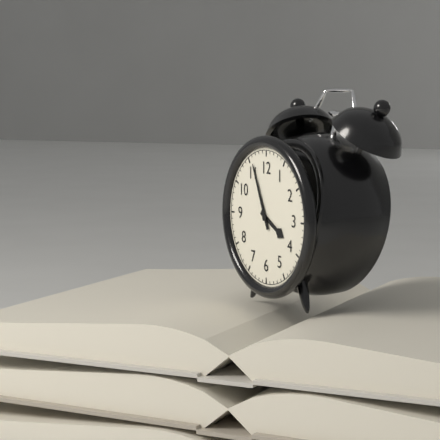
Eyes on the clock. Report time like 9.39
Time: 3.56
